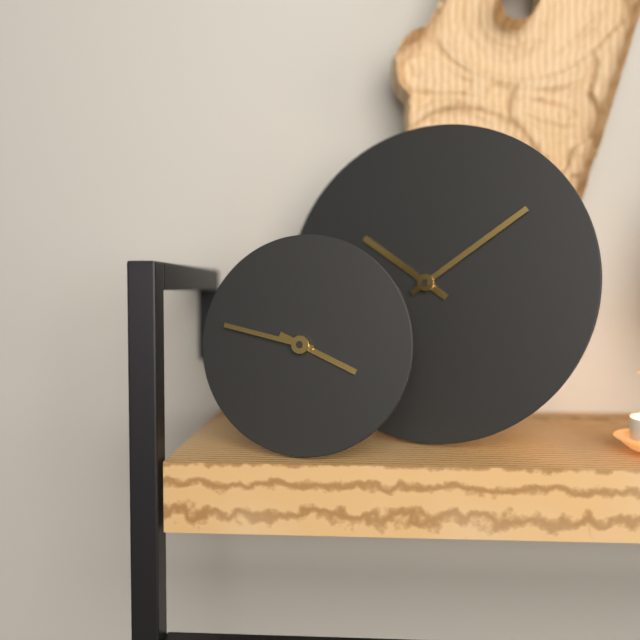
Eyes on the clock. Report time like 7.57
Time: 3.47
